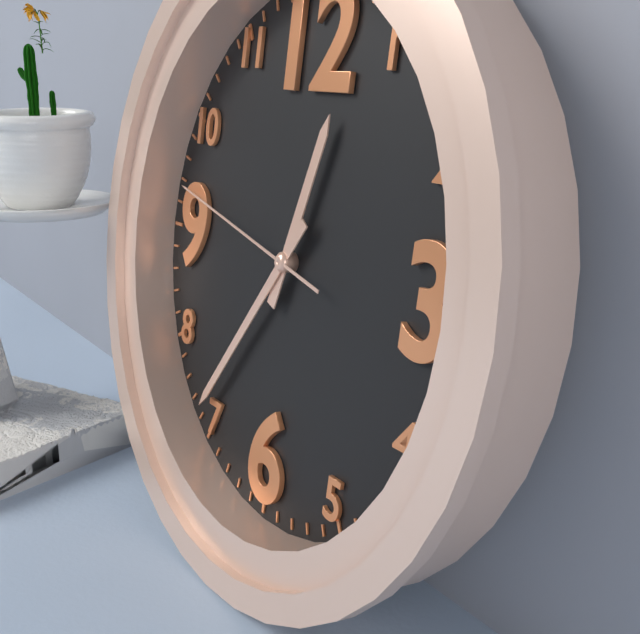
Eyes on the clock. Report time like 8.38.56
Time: 12.36.47
